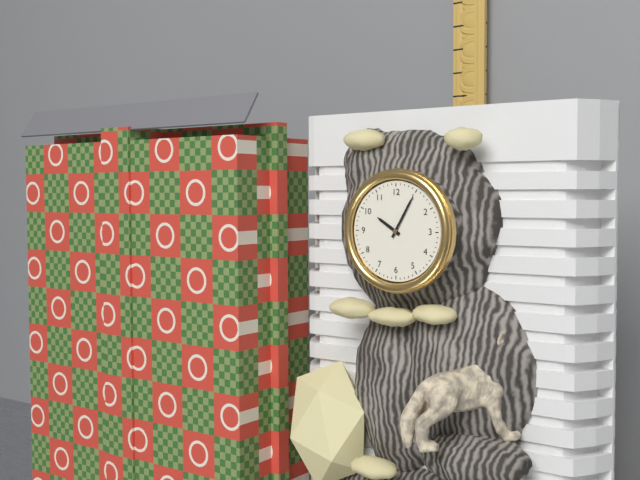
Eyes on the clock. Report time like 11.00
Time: 10.05
